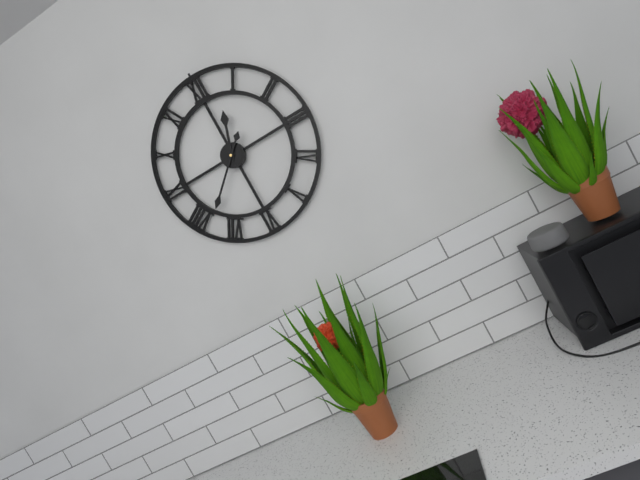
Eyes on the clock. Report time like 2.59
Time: 12.38
